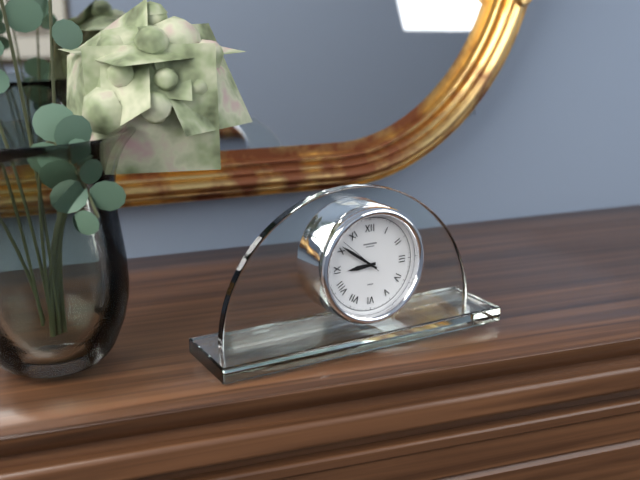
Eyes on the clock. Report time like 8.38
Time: 8.51
